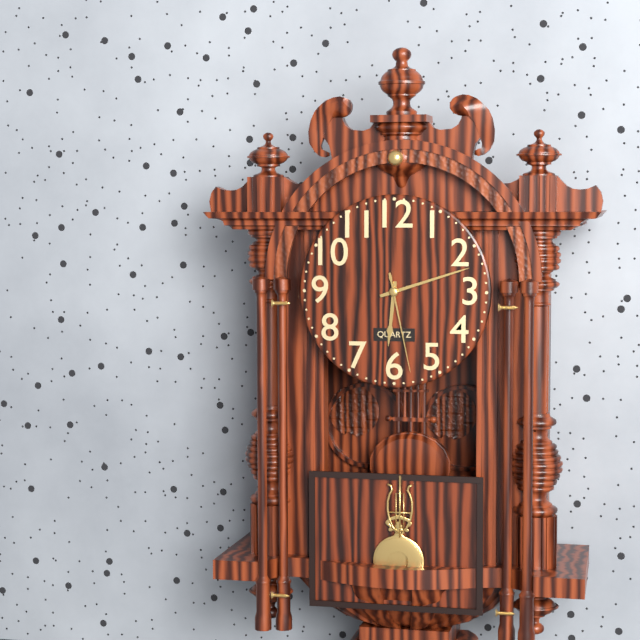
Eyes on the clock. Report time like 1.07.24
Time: 6.12.28
